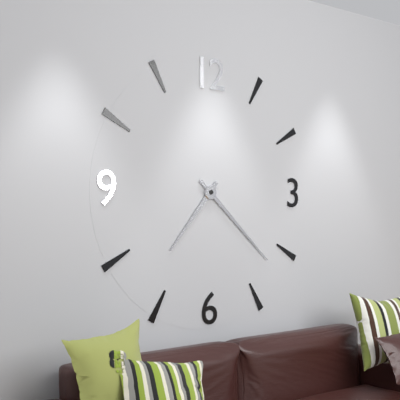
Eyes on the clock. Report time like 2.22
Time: 7.22
